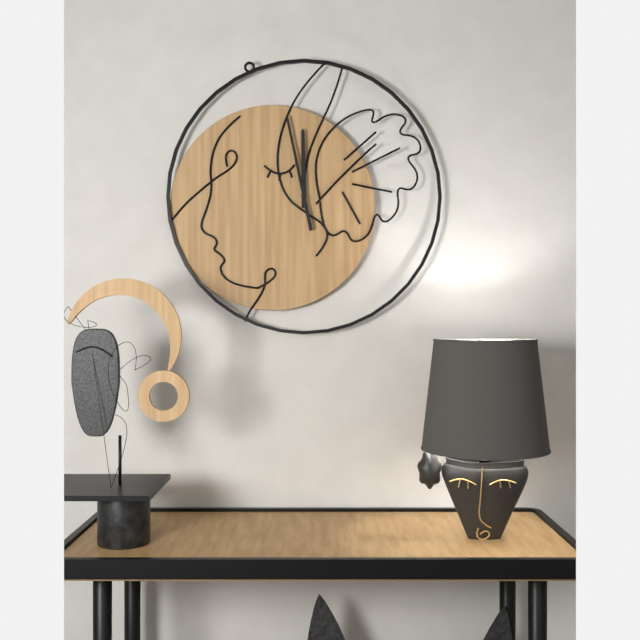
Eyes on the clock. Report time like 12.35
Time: 11.58
